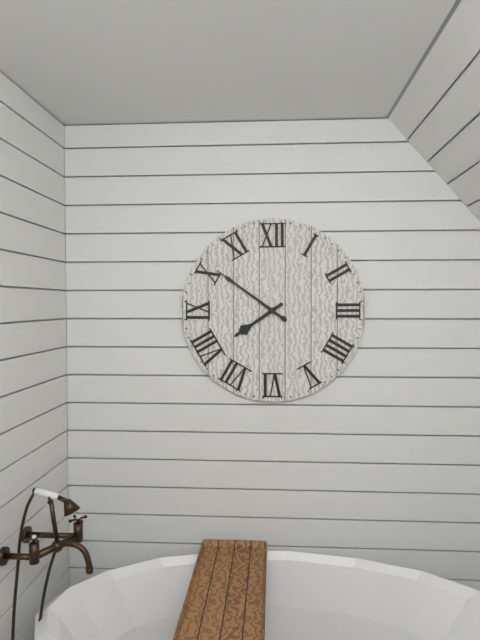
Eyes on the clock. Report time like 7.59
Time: 7.51
